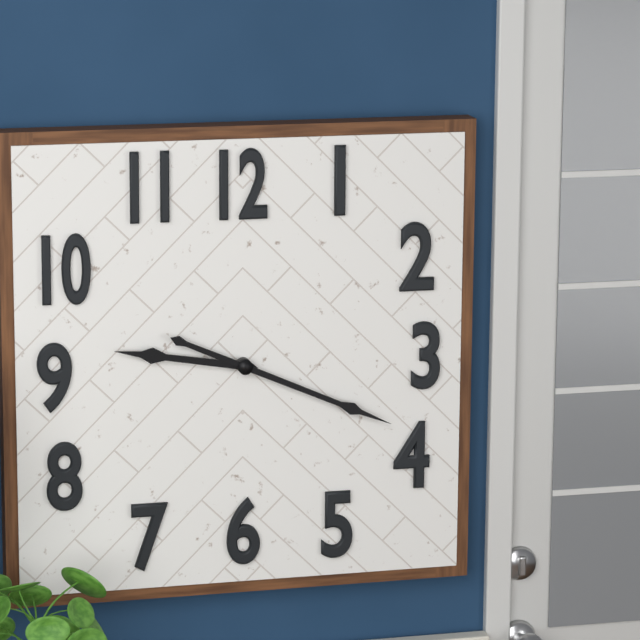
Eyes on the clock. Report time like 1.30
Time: 9.19
